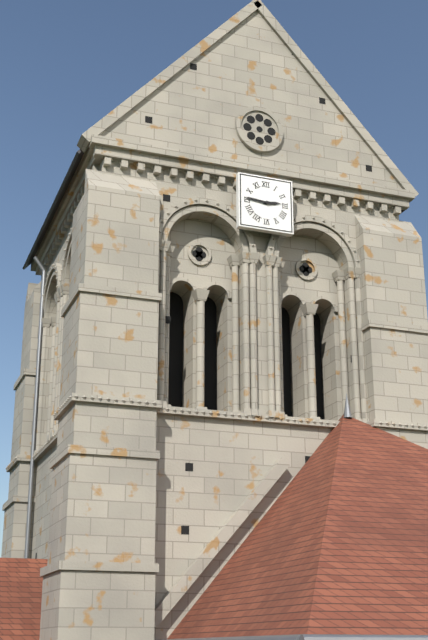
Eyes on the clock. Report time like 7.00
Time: 2.46
